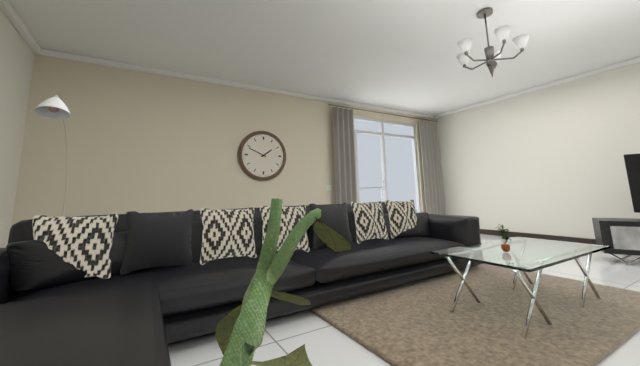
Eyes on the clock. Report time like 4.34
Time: 1.49
